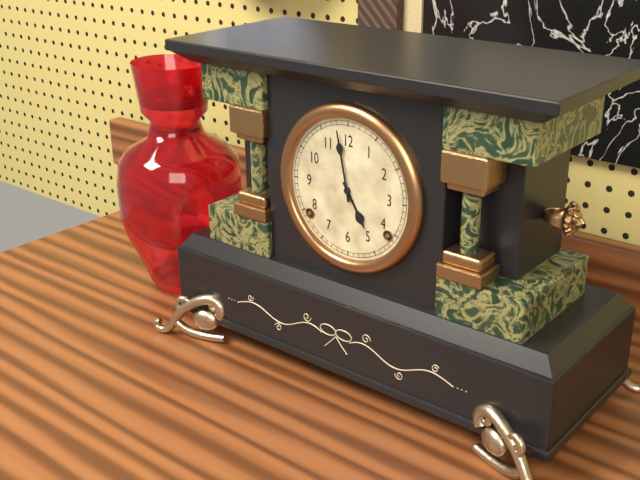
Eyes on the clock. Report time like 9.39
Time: 4.58
